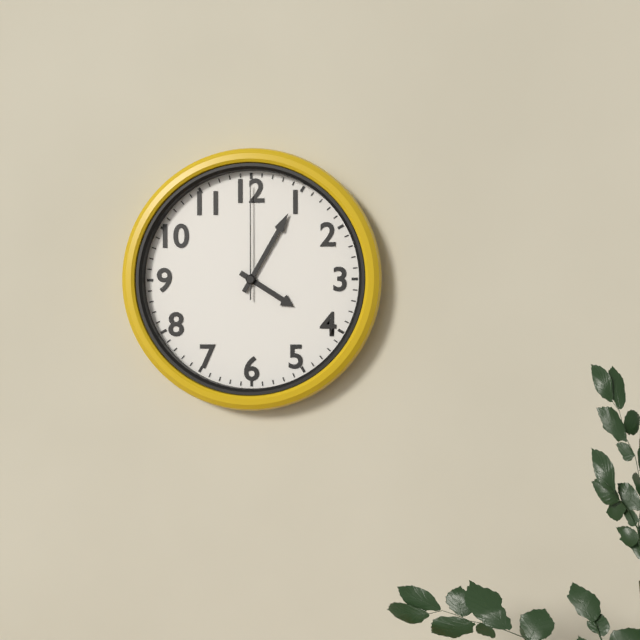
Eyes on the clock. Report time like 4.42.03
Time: 4.05.00
